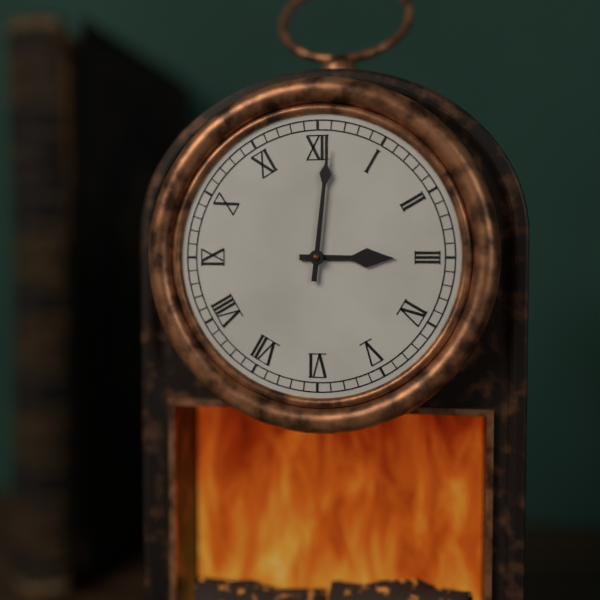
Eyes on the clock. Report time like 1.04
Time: 3.01
